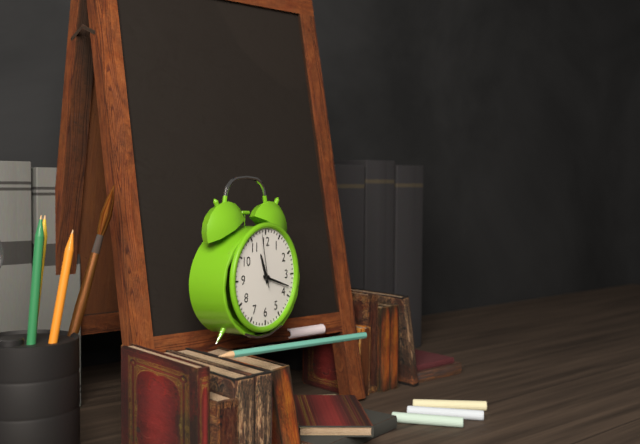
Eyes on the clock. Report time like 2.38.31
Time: 11.18.58
